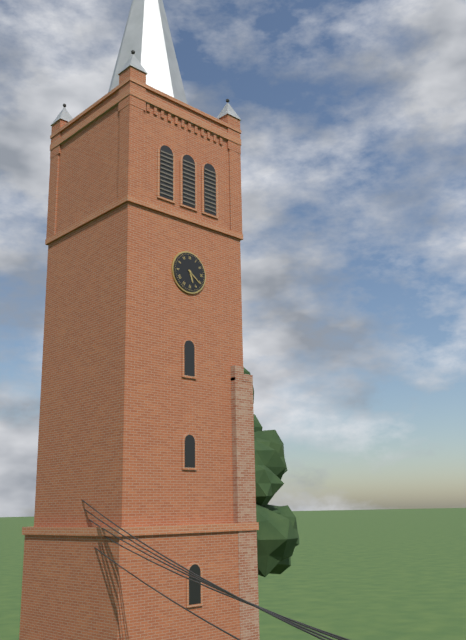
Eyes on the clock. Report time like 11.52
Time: 5.21
